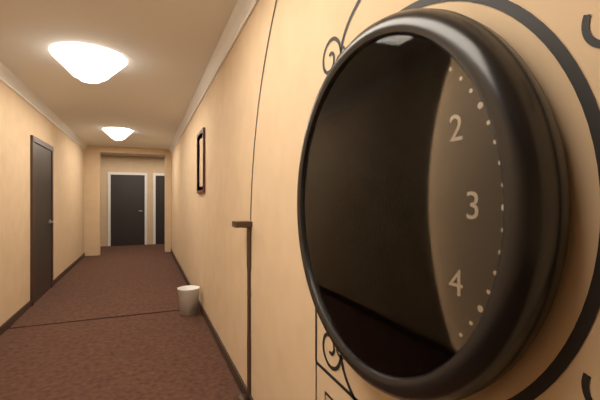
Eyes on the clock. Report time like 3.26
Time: 6.23
